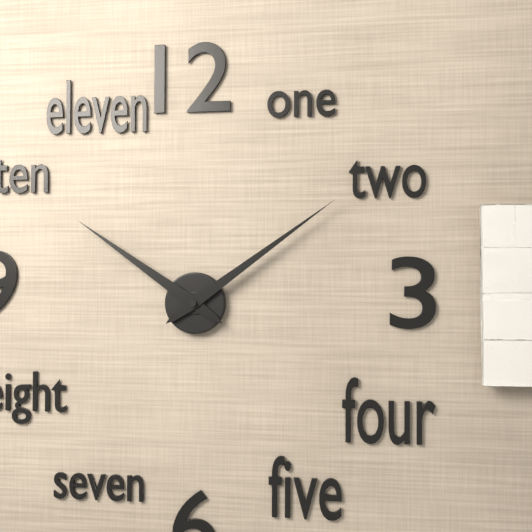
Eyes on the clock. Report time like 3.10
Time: 10.09
